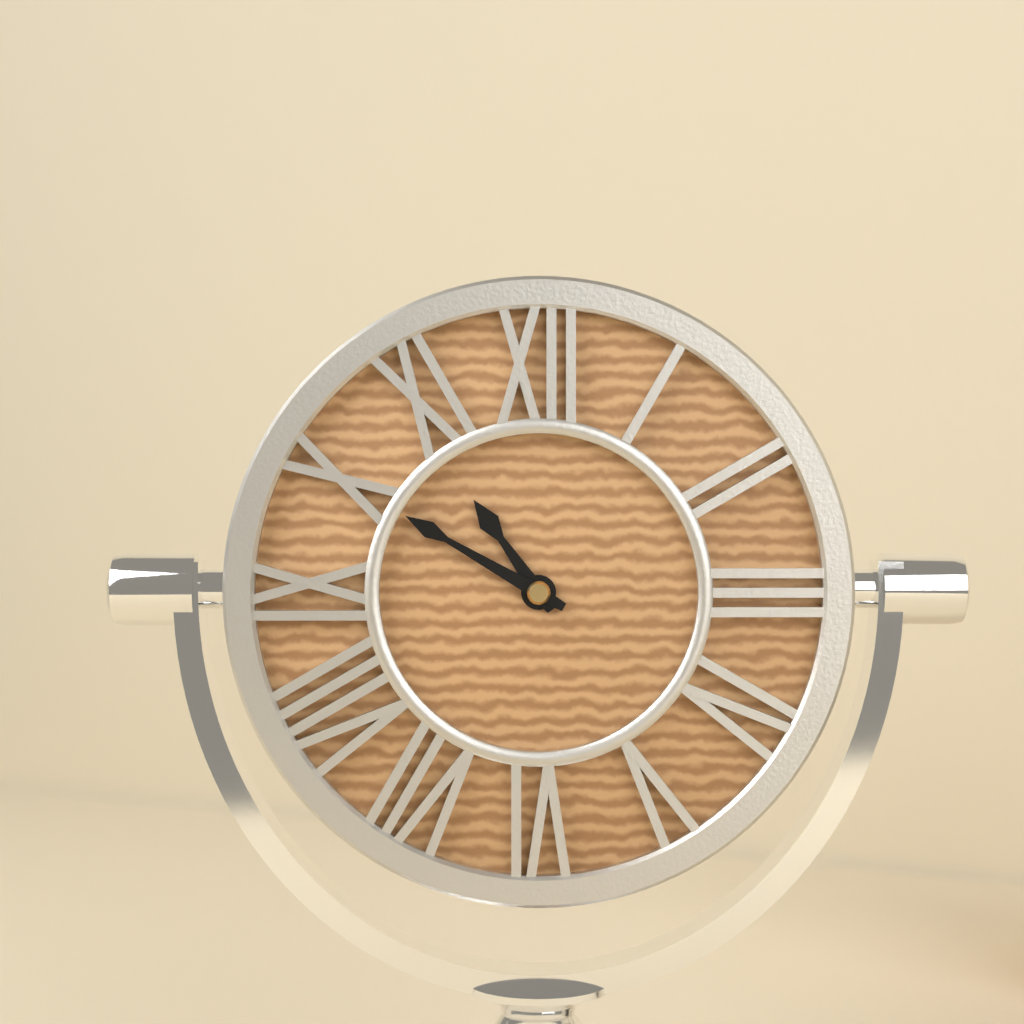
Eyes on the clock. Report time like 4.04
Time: 10.50
